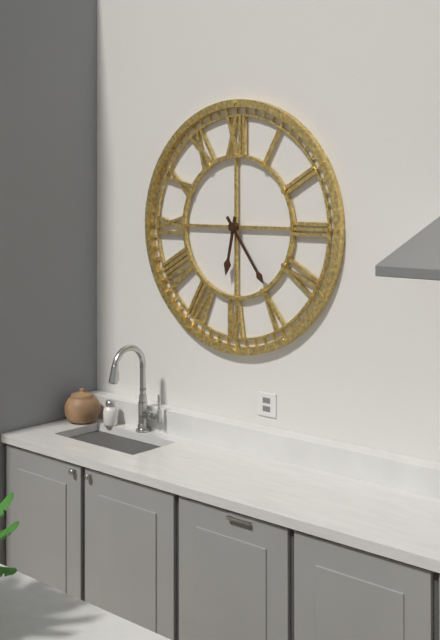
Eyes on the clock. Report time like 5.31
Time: 6.24
